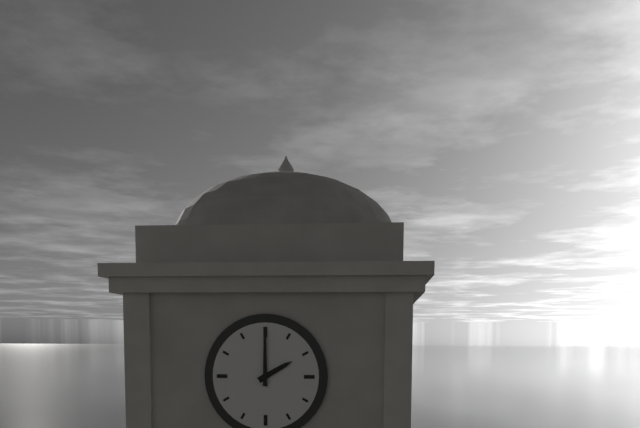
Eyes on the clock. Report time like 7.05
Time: 2.00
